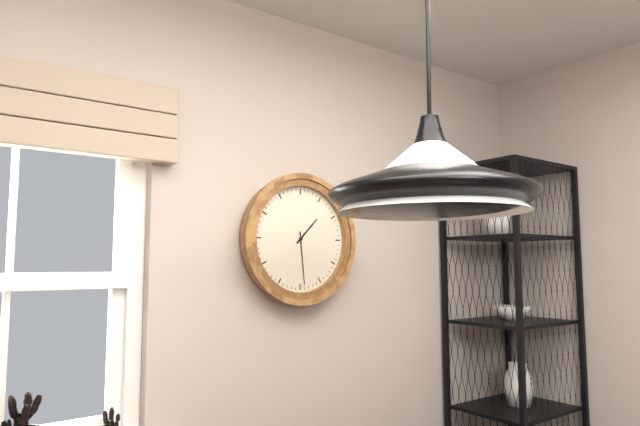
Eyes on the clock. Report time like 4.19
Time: 1.29
